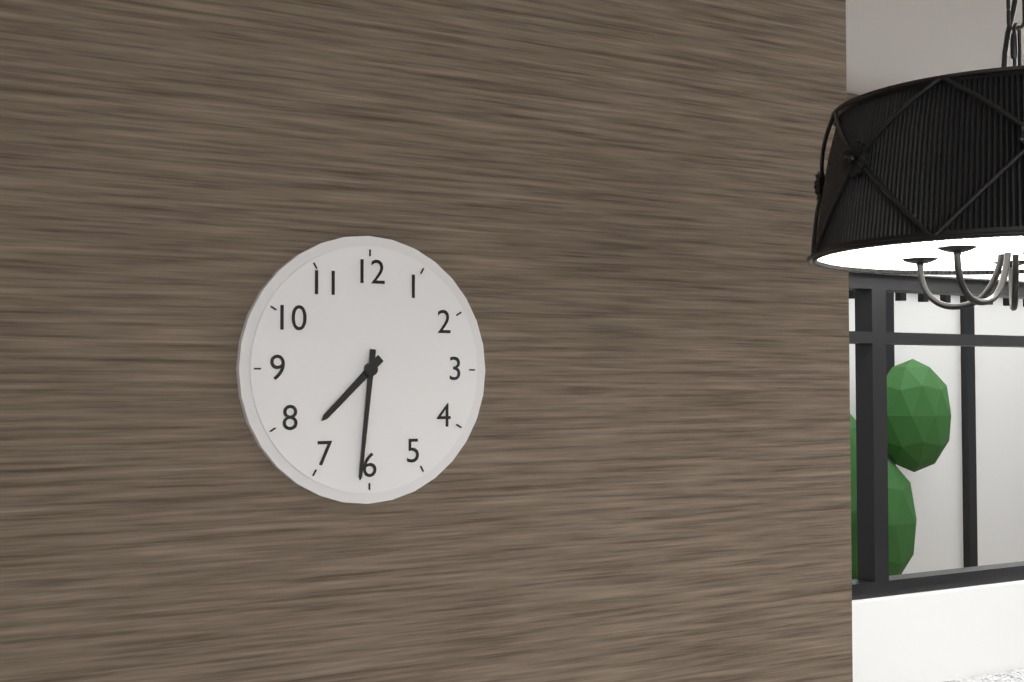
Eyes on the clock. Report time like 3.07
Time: 7.31
